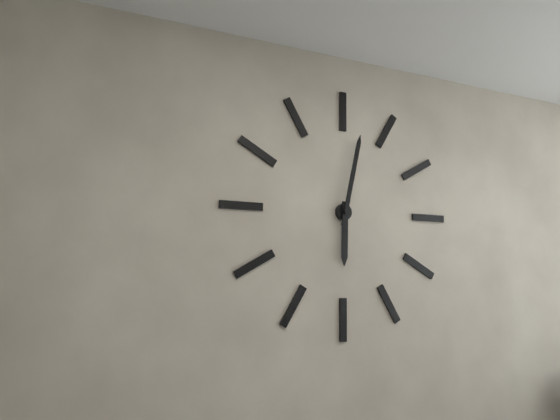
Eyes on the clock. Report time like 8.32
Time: 6.02
